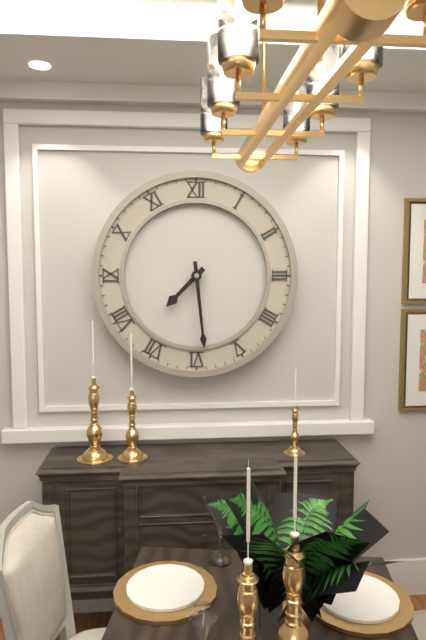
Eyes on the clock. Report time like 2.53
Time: 7.29
